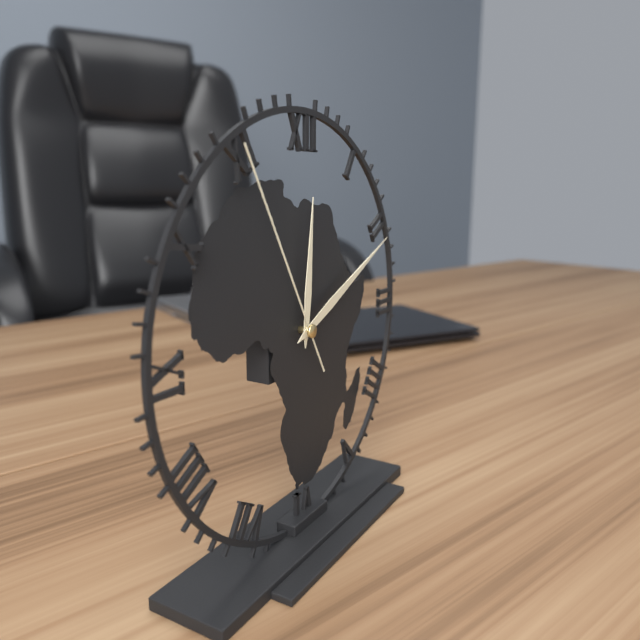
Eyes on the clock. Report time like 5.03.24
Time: 12.11.55
